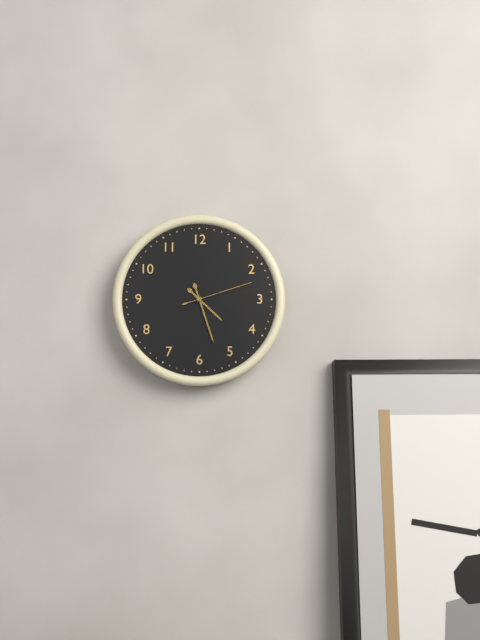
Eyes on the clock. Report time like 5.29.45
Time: 4.27.12
